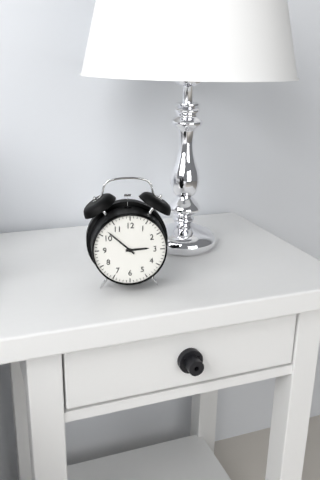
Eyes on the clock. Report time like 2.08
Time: 2.52
